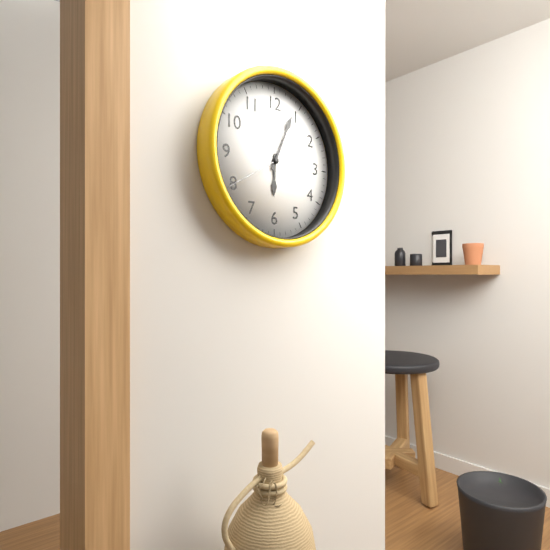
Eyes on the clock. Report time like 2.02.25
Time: 6.04.40
